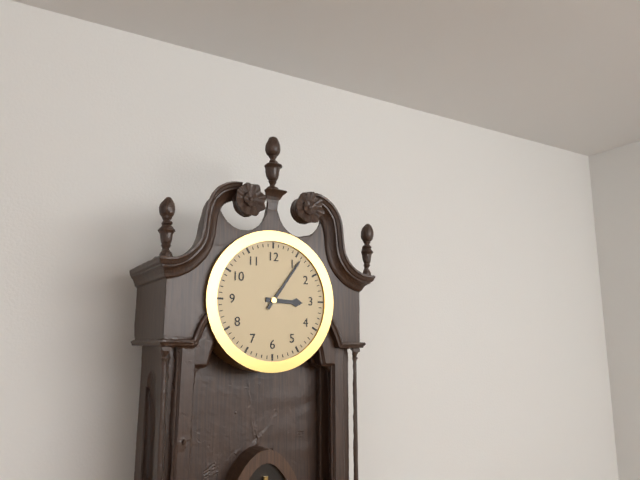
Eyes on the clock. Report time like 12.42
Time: 3.06
